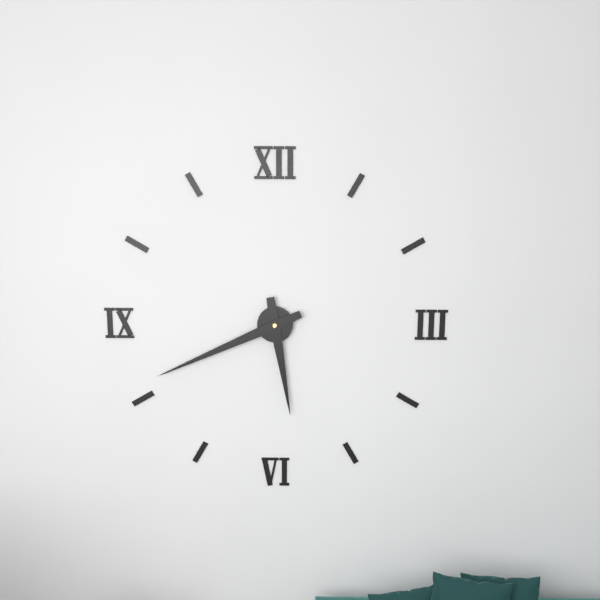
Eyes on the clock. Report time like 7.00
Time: 5.41
